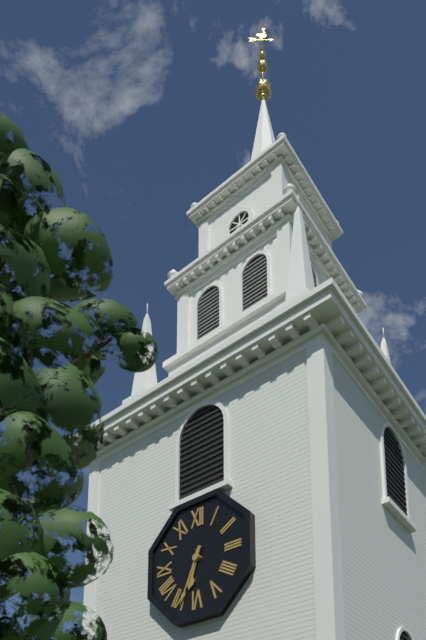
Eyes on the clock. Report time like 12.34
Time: 6.34
